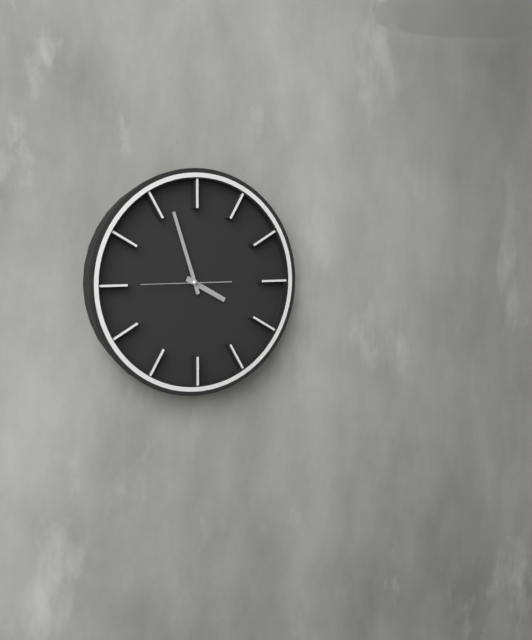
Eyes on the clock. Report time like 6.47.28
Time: 3.57.45
